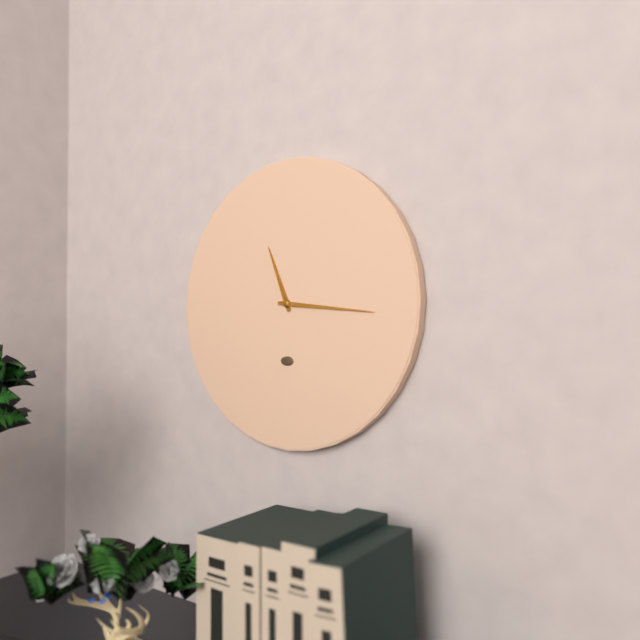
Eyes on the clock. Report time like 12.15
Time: 11.16
